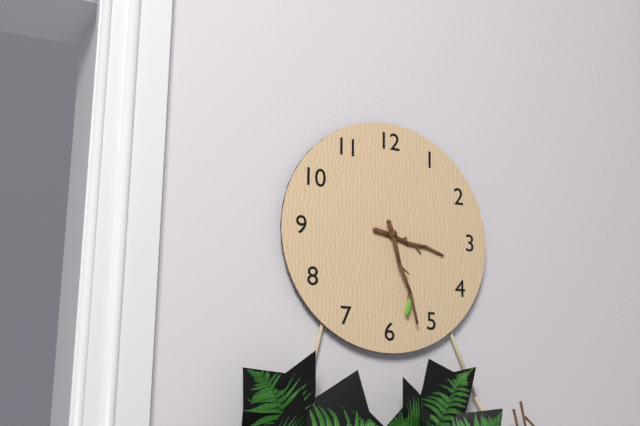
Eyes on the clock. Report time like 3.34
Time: 3.27
